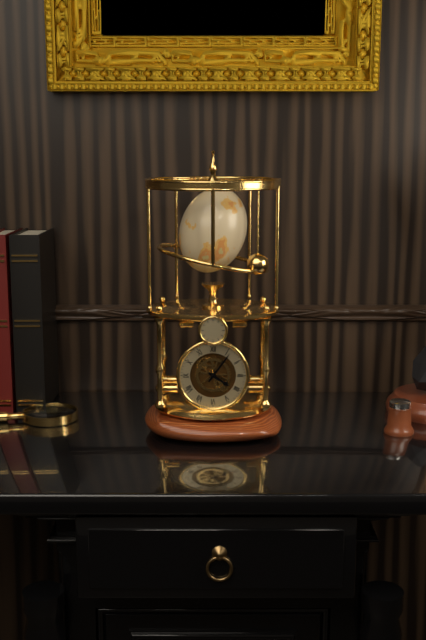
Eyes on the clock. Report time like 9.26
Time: 4.06
